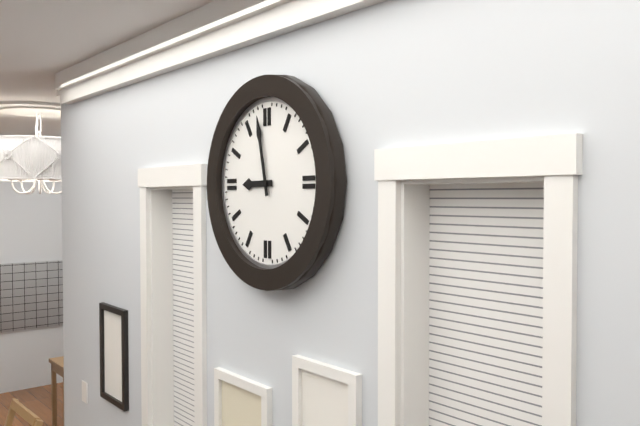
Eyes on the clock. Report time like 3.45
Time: 8.58
